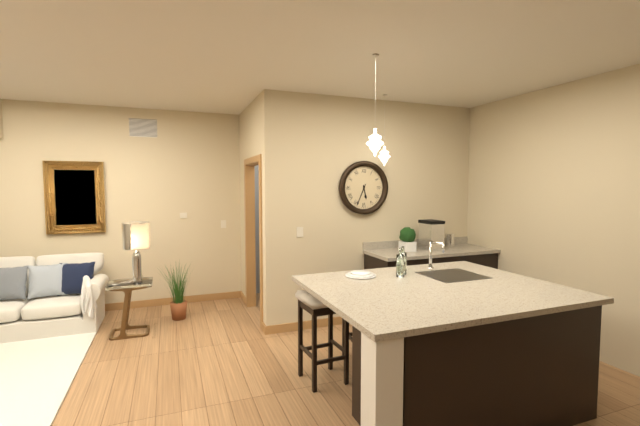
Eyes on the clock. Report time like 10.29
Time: 5.34
